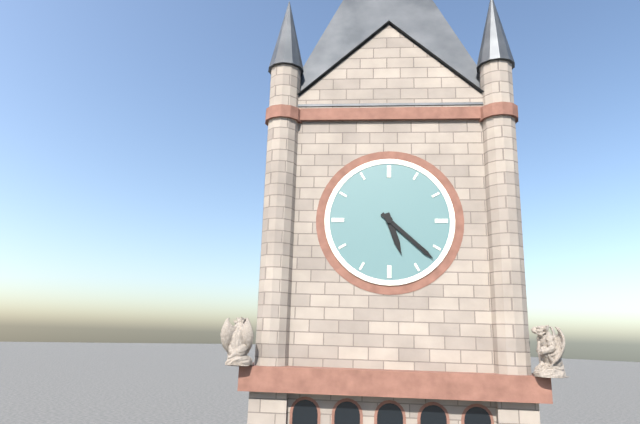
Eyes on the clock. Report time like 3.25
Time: 5.22
